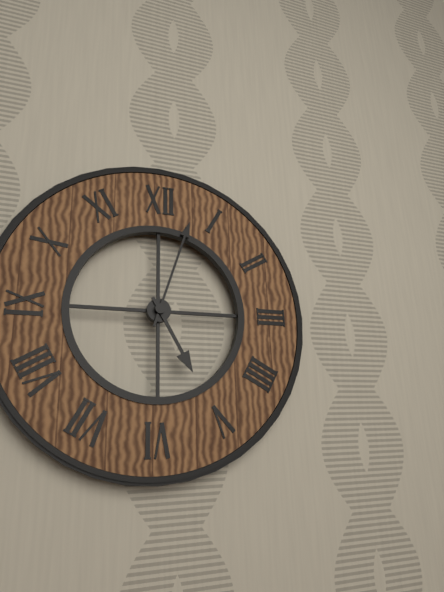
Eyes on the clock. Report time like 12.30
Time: 5.03
